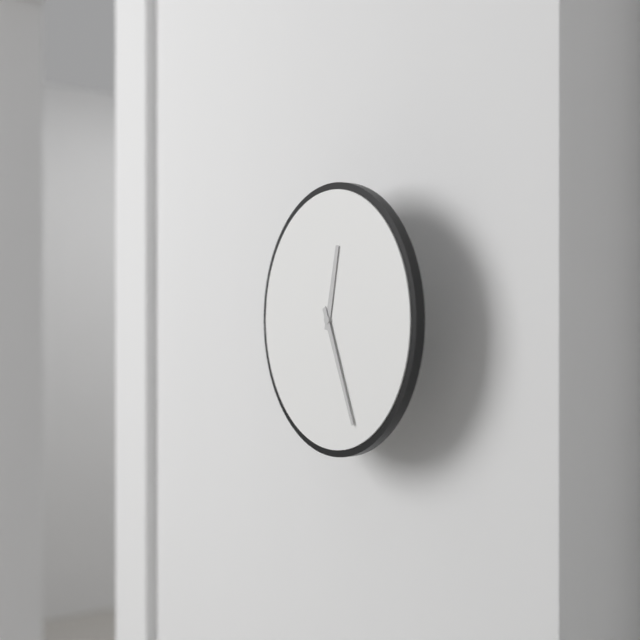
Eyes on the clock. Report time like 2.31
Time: 12.26
